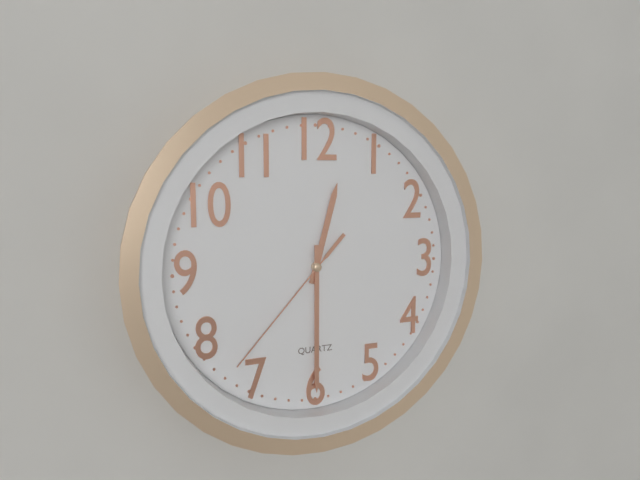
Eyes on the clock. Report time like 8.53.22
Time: 12.30.37
